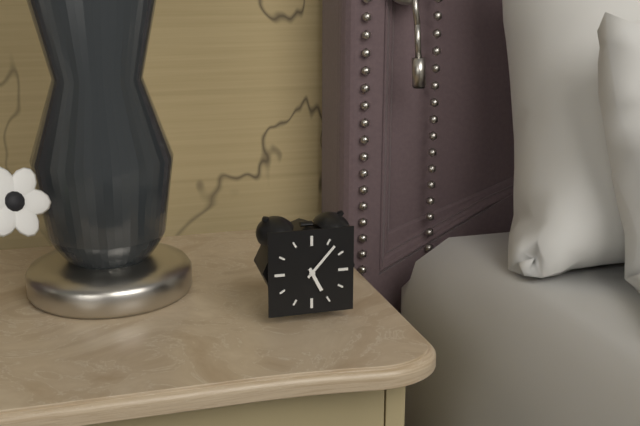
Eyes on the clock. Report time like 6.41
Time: 5.07
